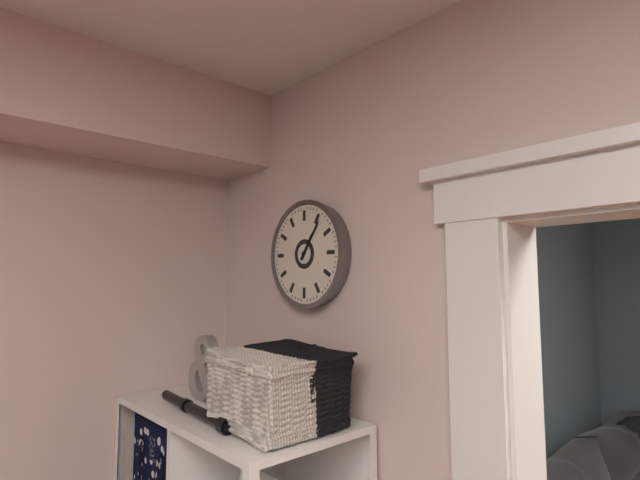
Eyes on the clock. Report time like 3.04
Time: 1.06
